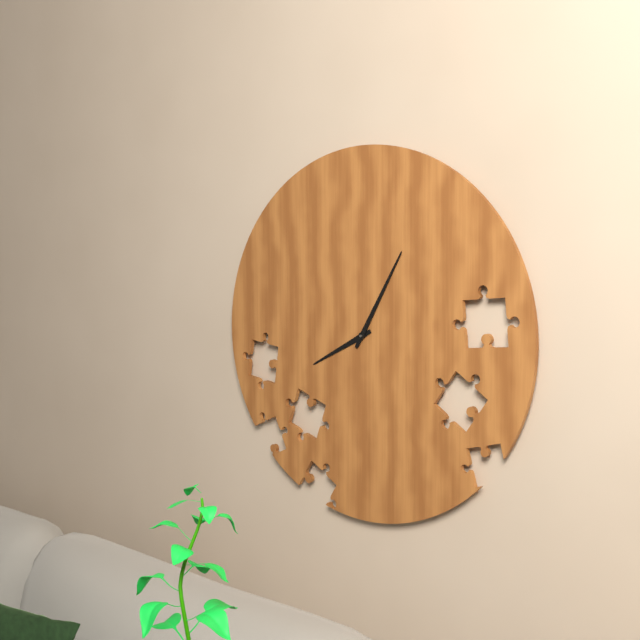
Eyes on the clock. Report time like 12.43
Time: 8.05
